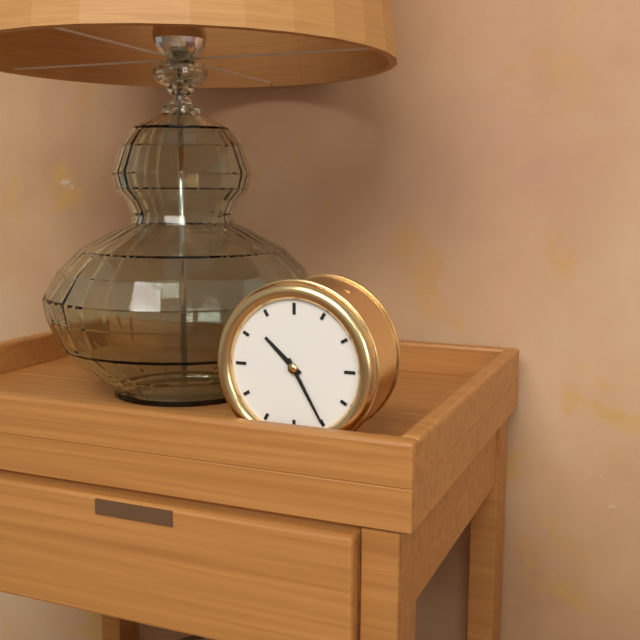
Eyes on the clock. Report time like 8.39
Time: 10.25
